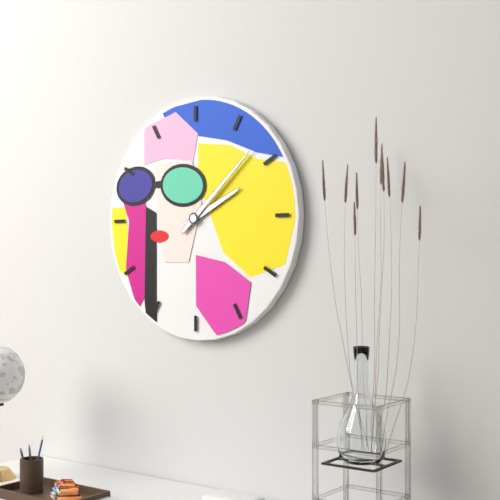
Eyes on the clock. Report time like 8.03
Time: 2.08
